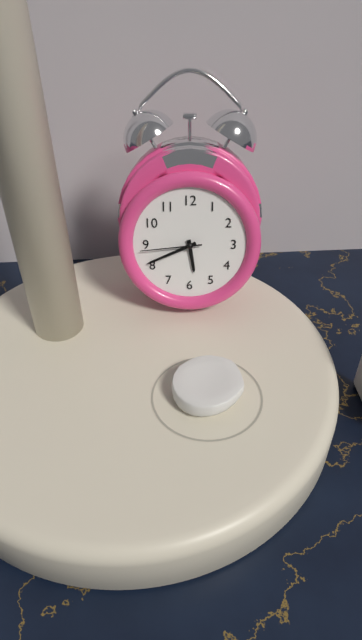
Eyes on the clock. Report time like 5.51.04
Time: 5.41.44
